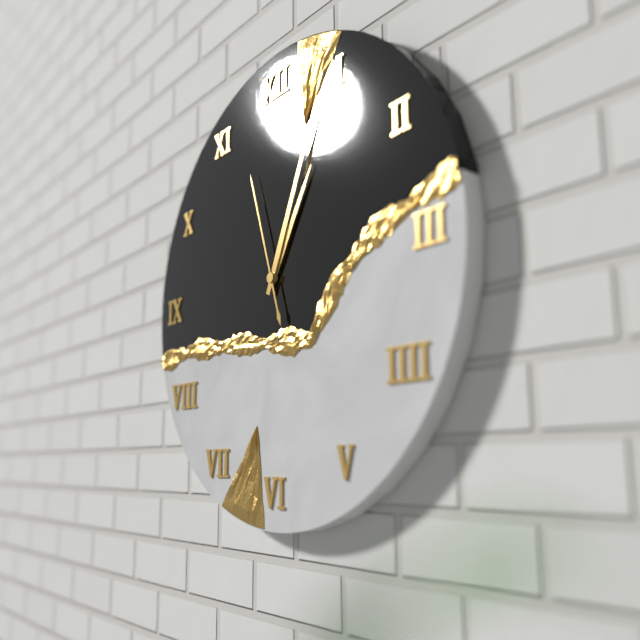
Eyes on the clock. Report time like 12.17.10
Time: 1.04.57
